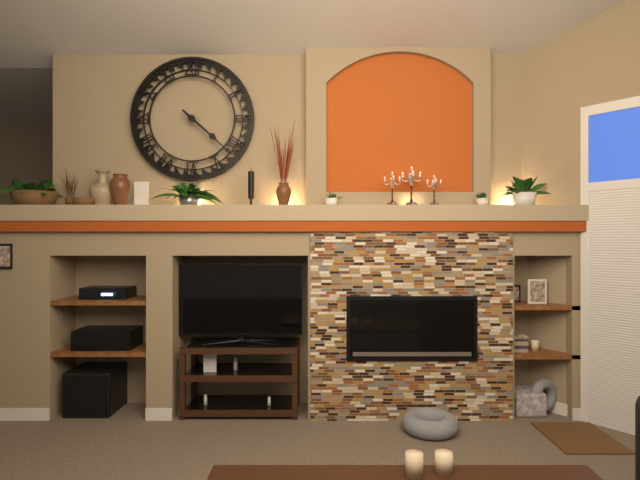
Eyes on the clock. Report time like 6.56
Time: 4.22
